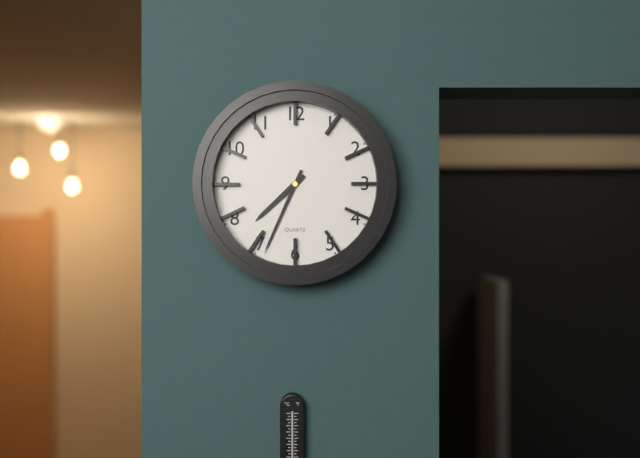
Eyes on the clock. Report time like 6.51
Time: 7.34
